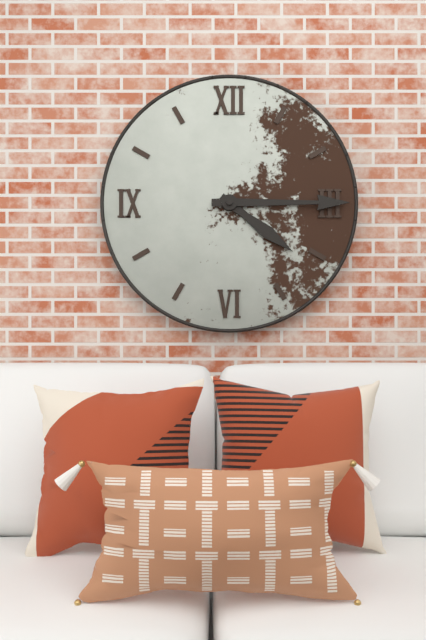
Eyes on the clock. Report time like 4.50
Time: 4.15
